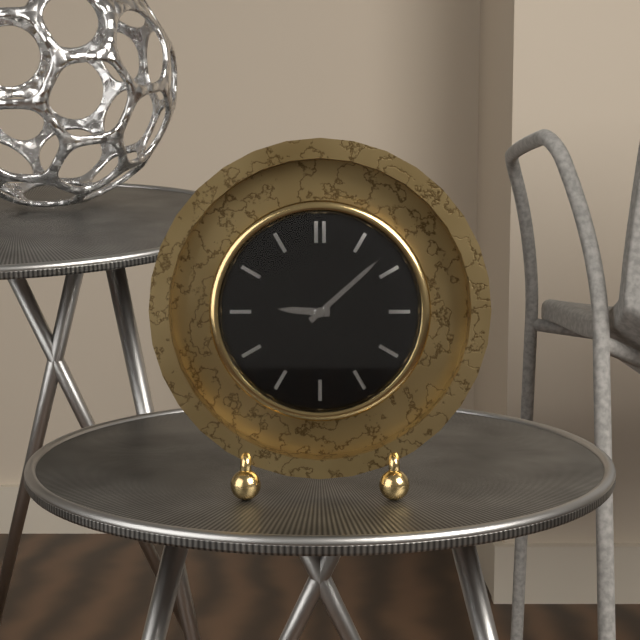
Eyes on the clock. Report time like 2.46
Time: 9.08
